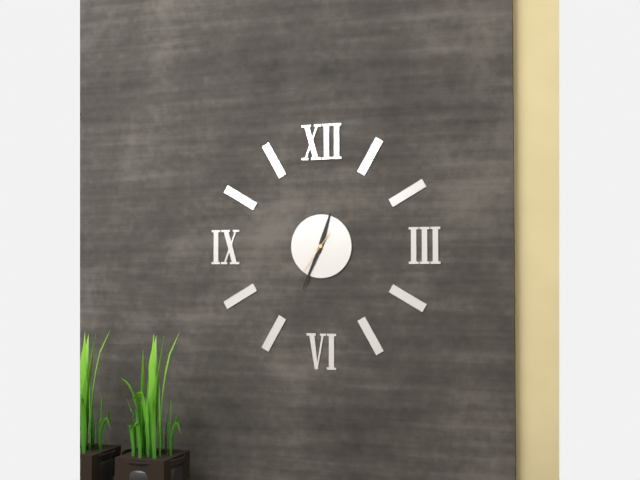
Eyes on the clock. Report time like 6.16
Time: 12.34
